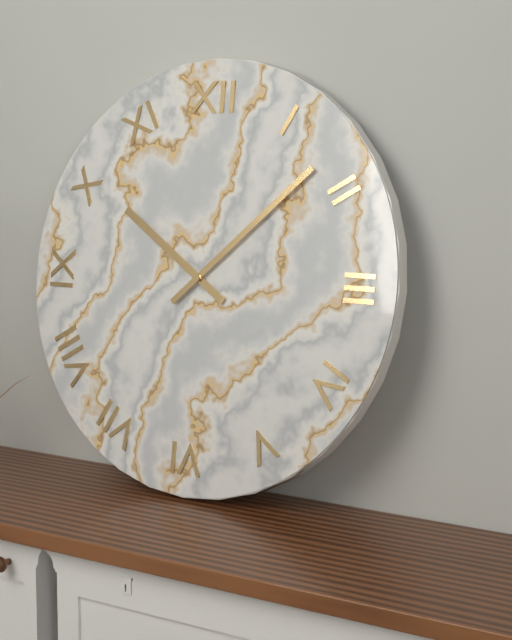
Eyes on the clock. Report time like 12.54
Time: 10.08
